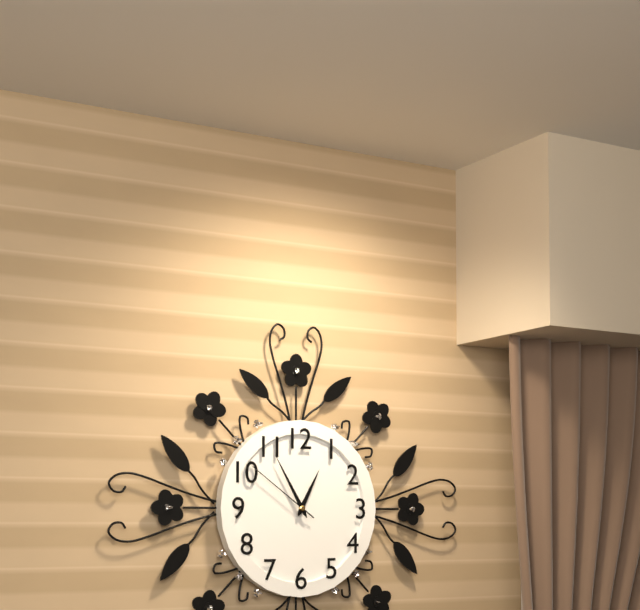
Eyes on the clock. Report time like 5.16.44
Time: 12.55.51
